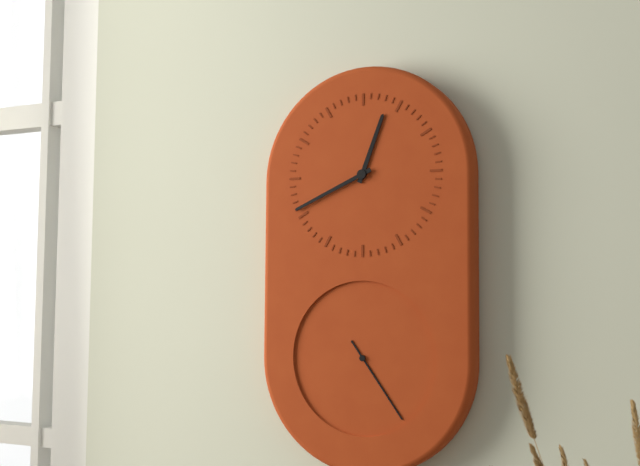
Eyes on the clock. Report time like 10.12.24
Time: 12.41.24
